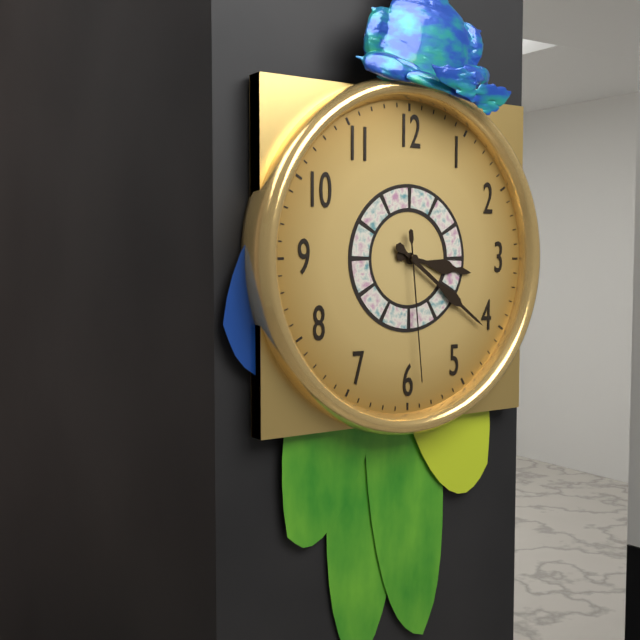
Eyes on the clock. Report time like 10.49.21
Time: 3.21.29
